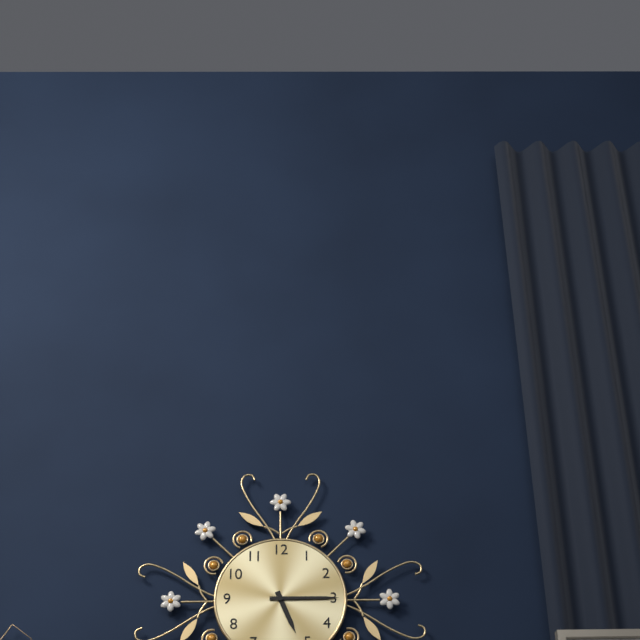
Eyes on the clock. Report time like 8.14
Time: 5.15
